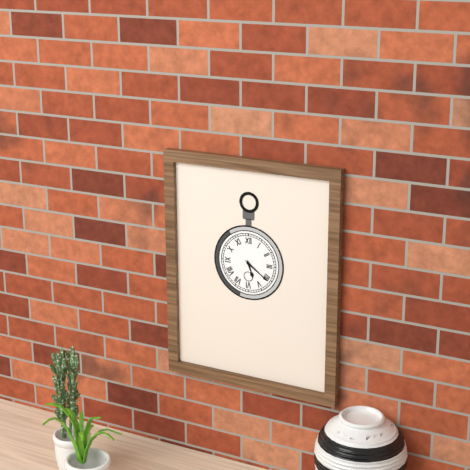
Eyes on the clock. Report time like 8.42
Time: 5.21
